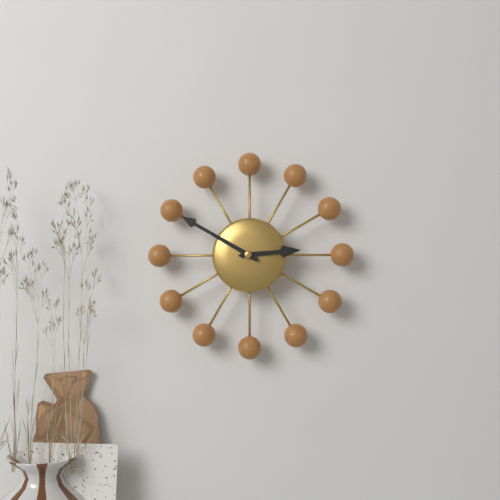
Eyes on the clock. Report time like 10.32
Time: 2.50
